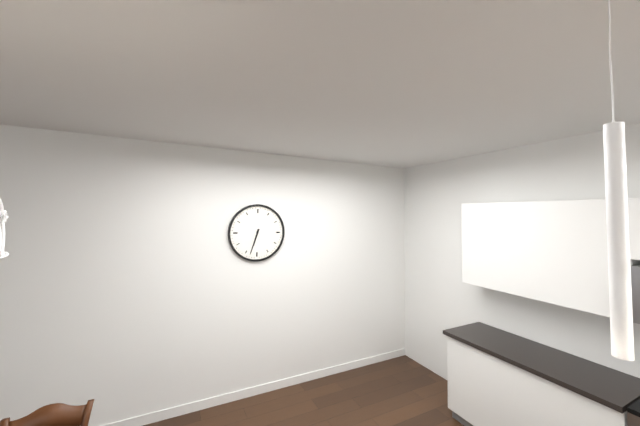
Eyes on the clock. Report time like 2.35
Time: 6.33
